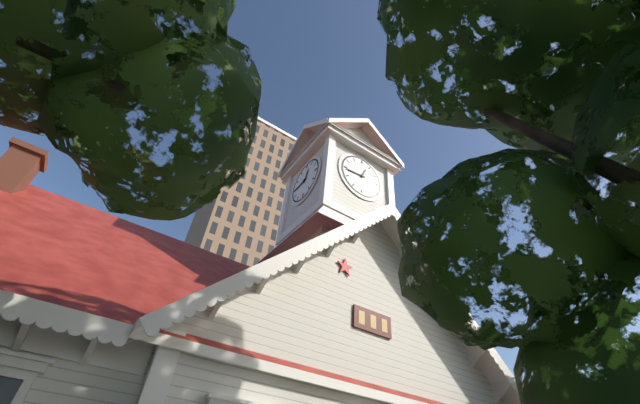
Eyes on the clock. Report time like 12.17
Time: 12.44
